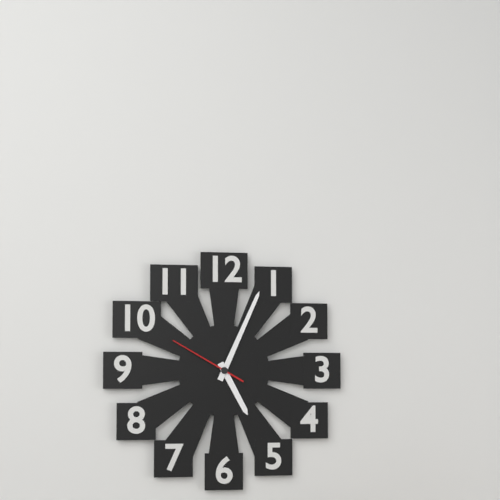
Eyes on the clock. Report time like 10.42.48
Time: 5.04.50
